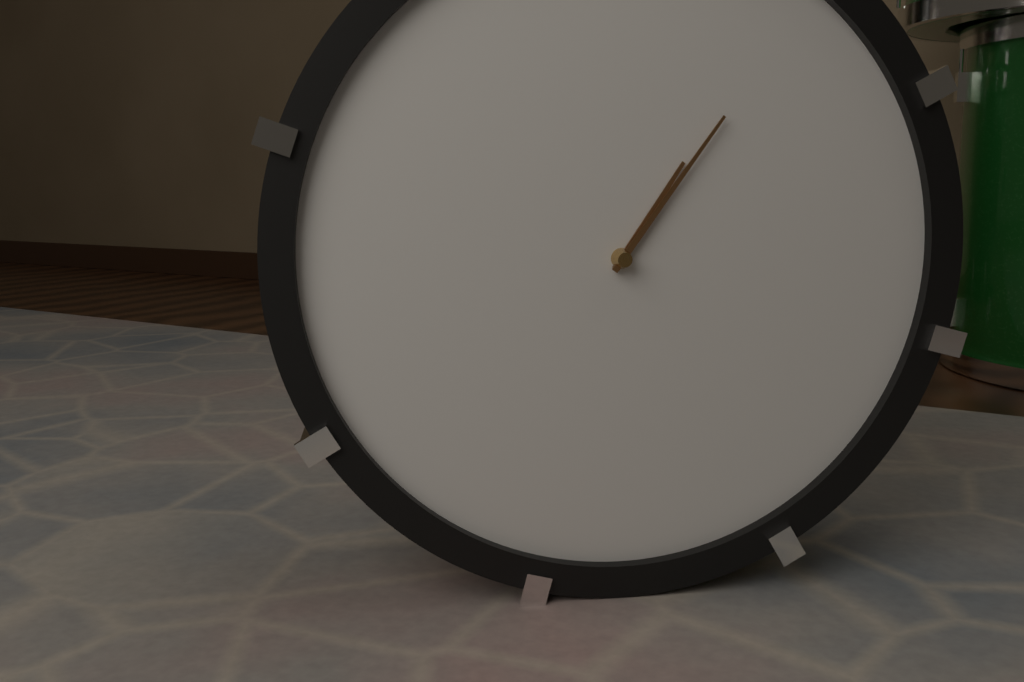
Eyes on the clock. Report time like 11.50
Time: 1.06
